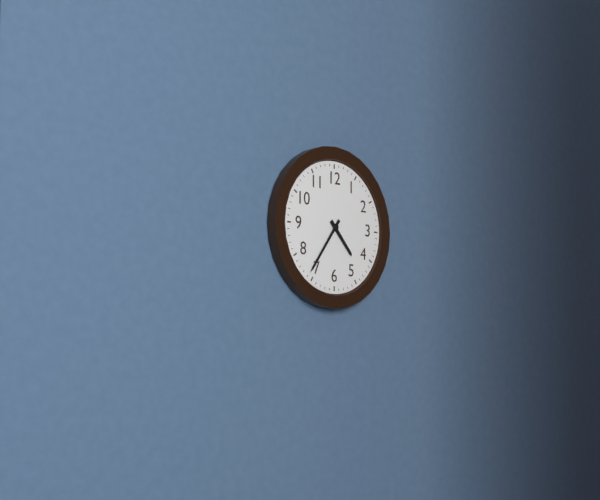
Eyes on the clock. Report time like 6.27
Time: 4.36
